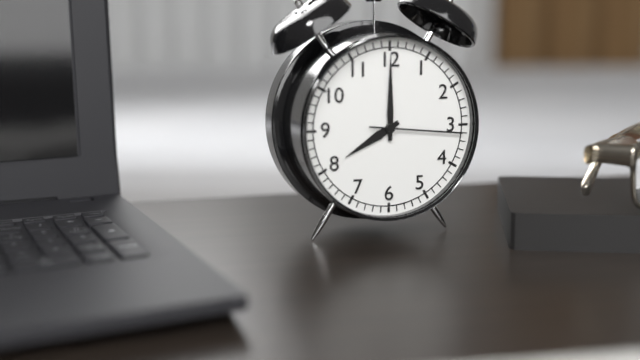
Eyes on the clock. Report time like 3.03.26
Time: 8.00.16
